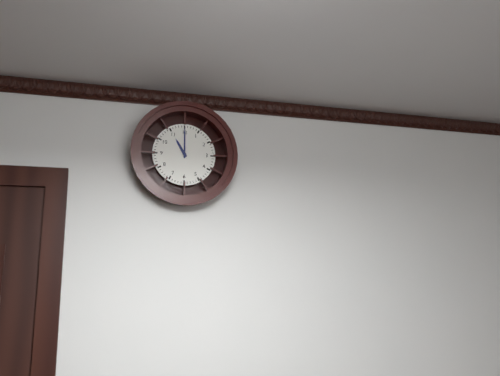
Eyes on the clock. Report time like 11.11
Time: 11.00
